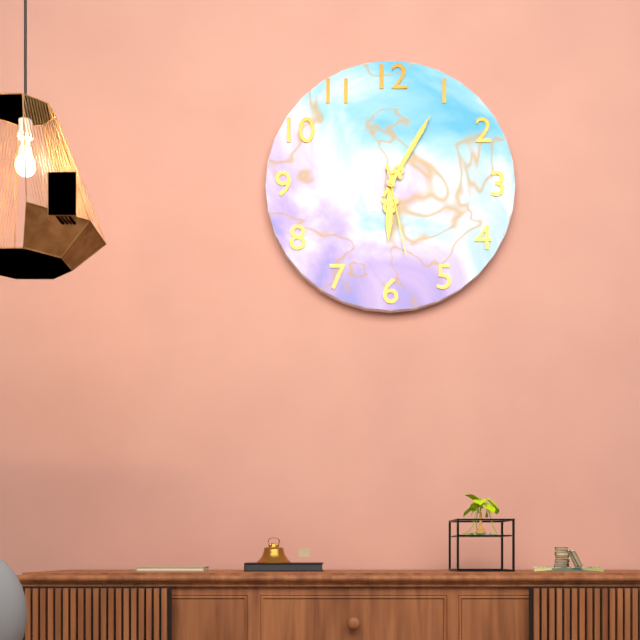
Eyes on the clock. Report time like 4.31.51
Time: 6.05.28
